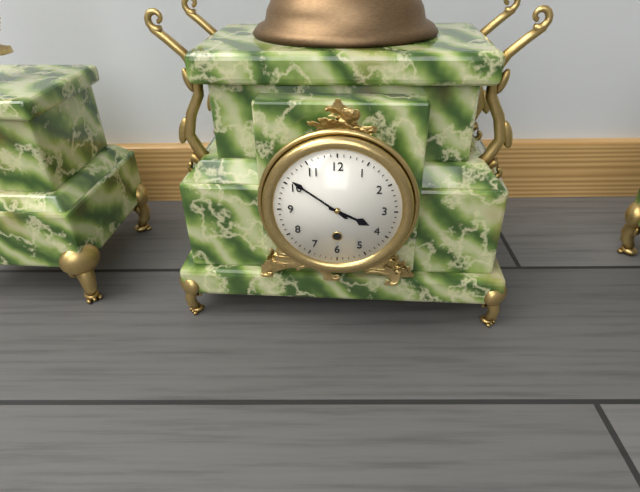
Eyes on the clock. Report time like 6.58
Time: 3.51
